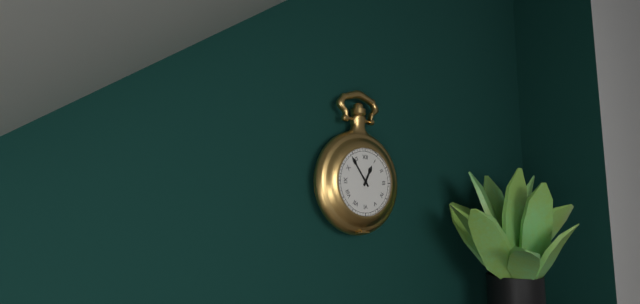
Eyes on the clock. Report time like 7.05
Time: 12.54
